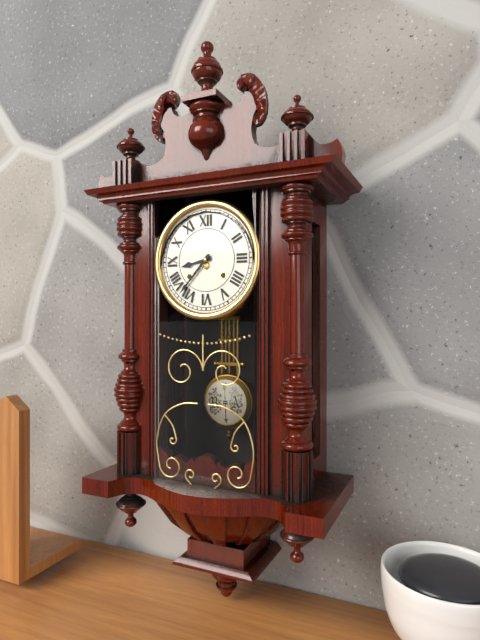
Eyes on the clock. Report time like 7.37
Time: 8.37
